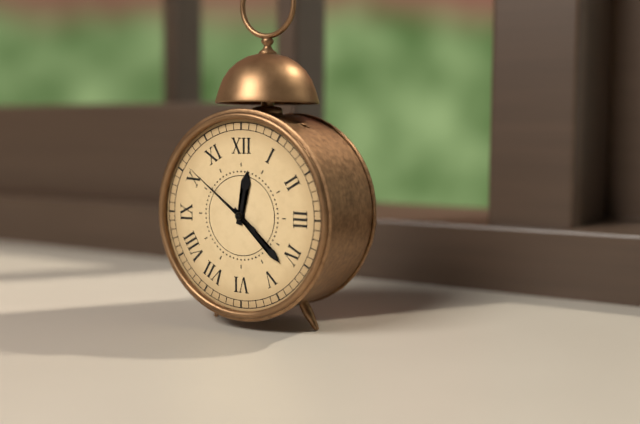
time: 12:22:51
